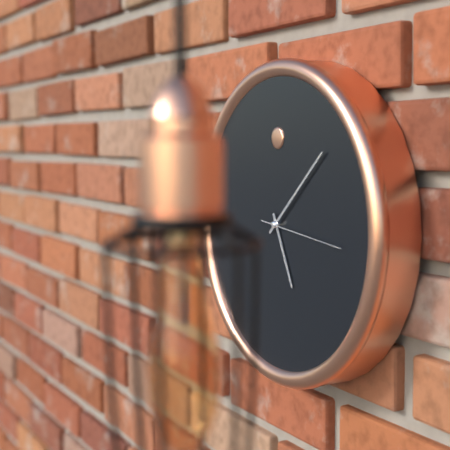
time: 5:08:16
